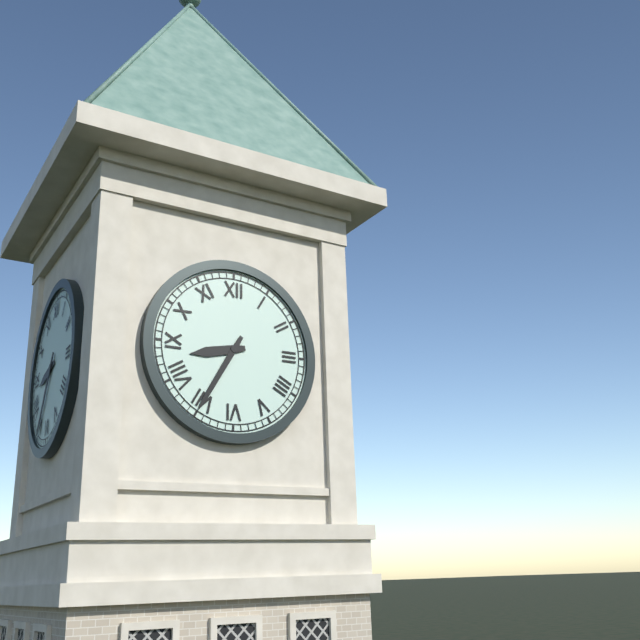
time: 8:35
